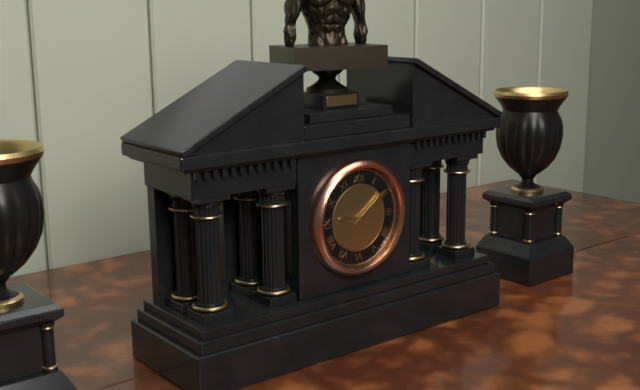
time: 9:09
